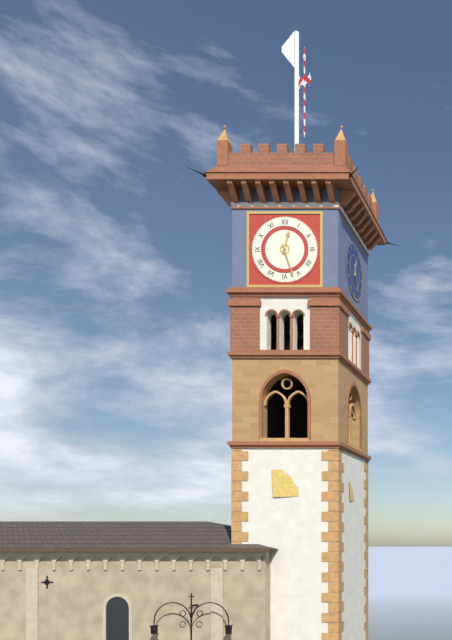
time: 12:27
